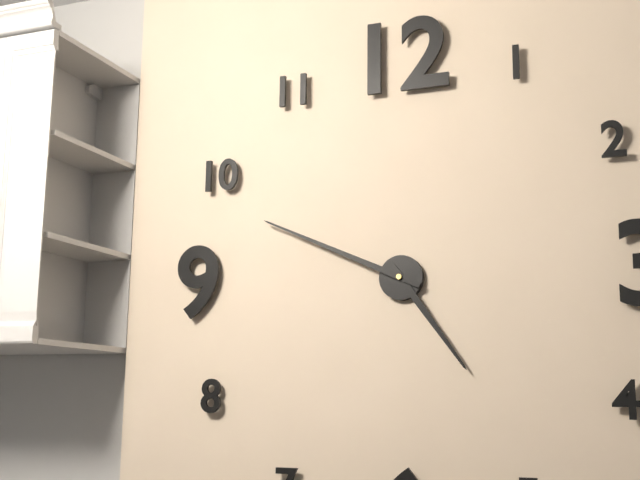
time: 4:49
